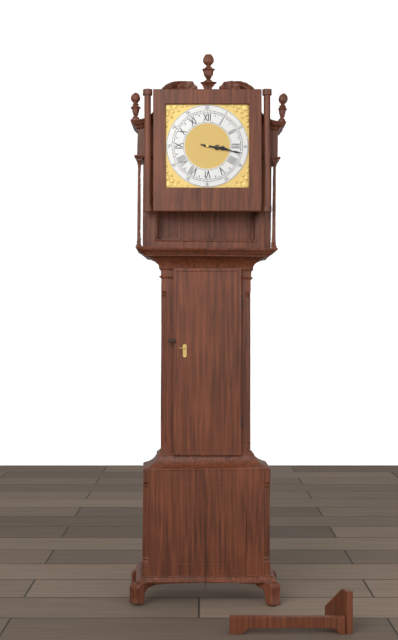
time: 3:17
